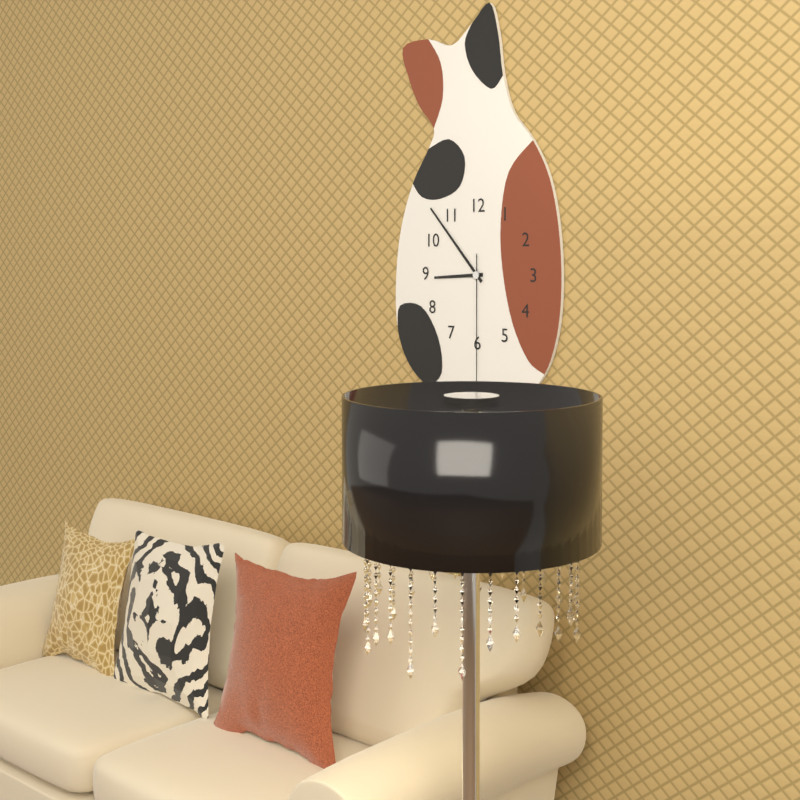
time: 8:53:30
